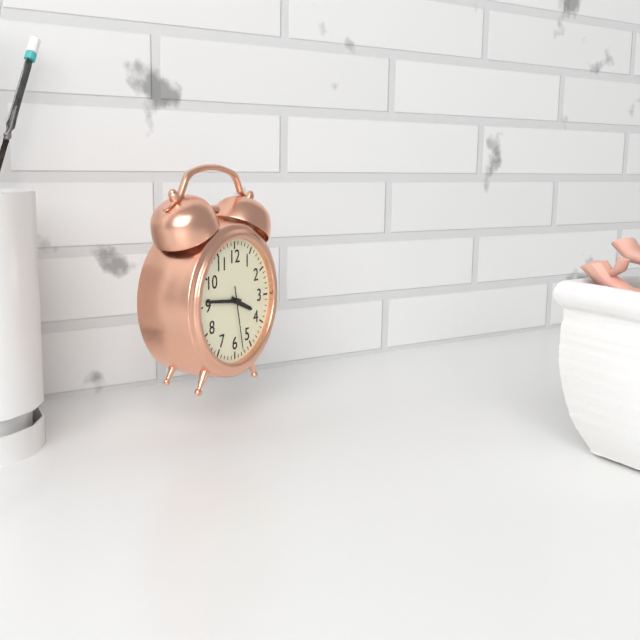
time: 3:46:28
